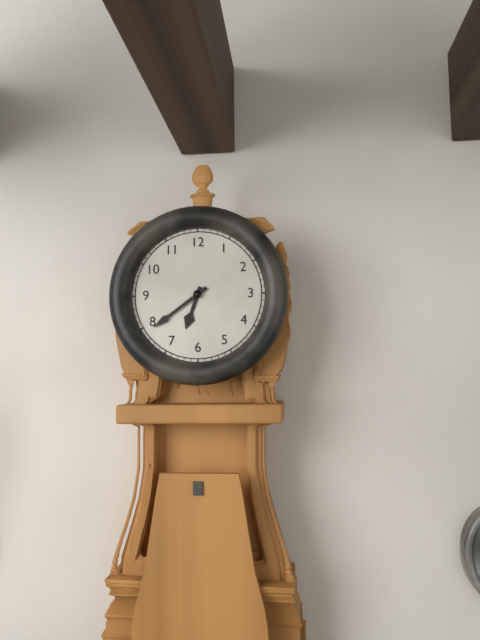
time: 6:39
